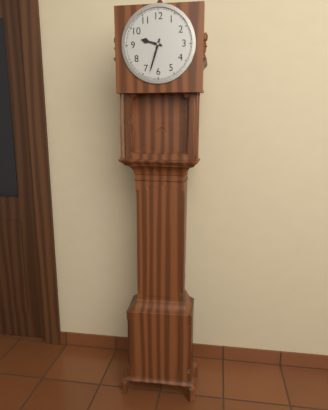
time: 9:33
